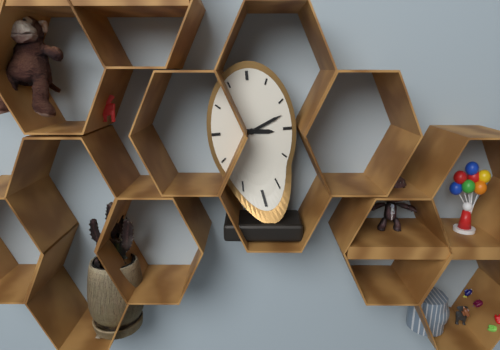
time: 3:11
